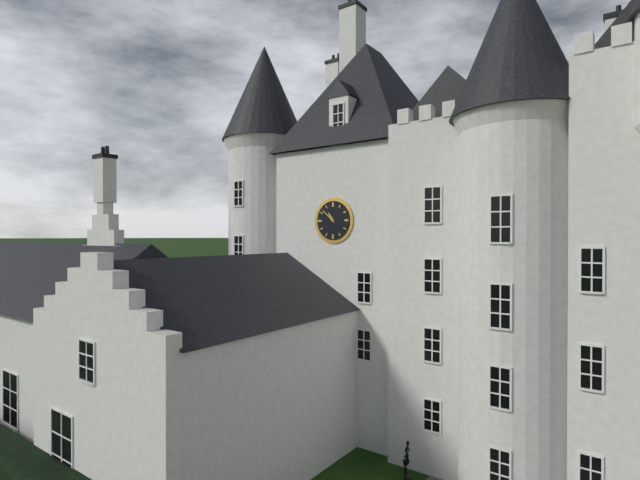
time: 10:52
